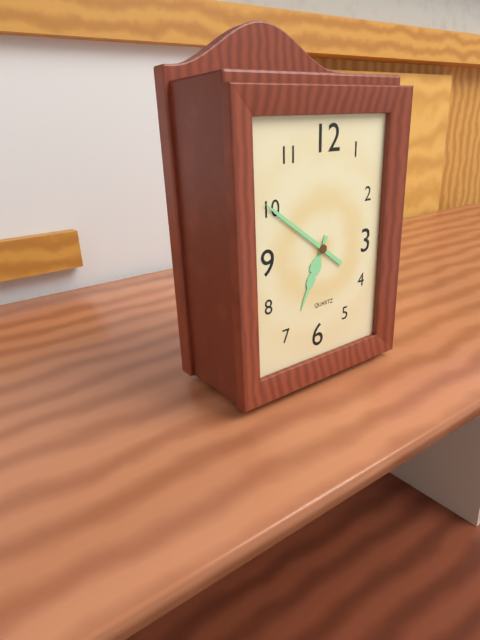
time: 6:51
